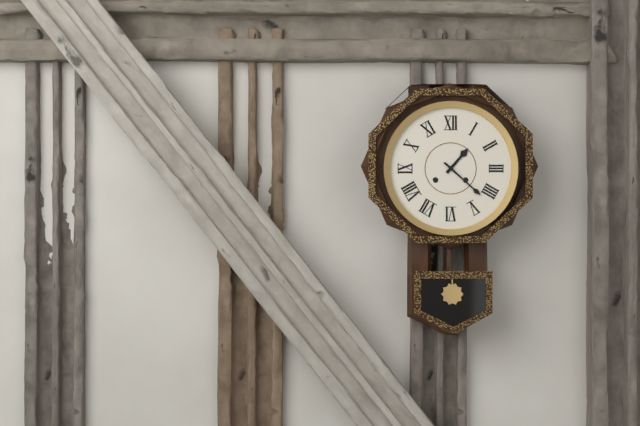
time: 1:22
